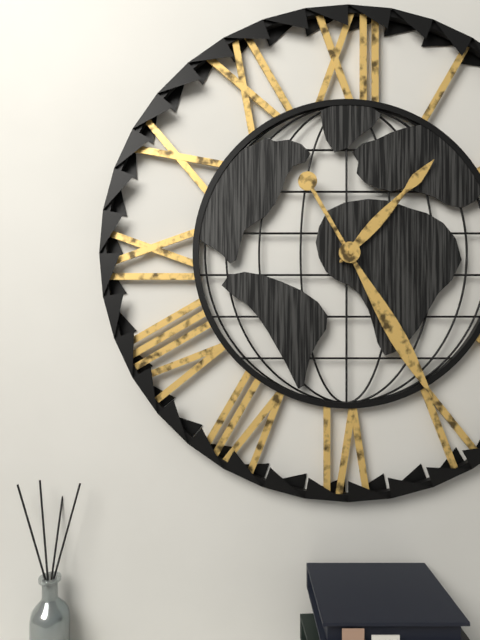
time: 1:25
